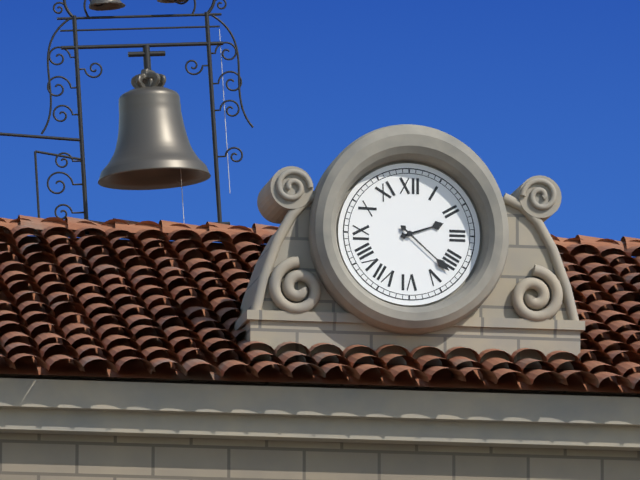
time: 2:22
